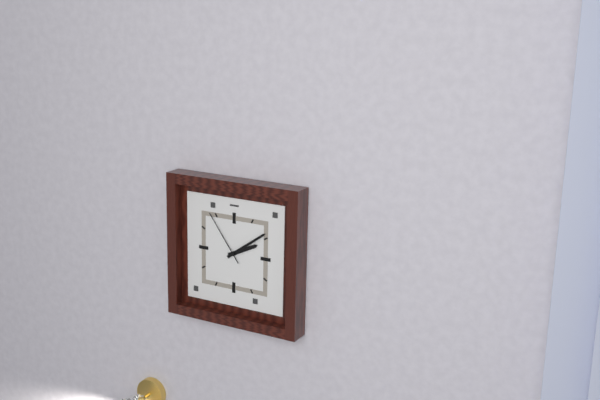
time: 2:09:54
